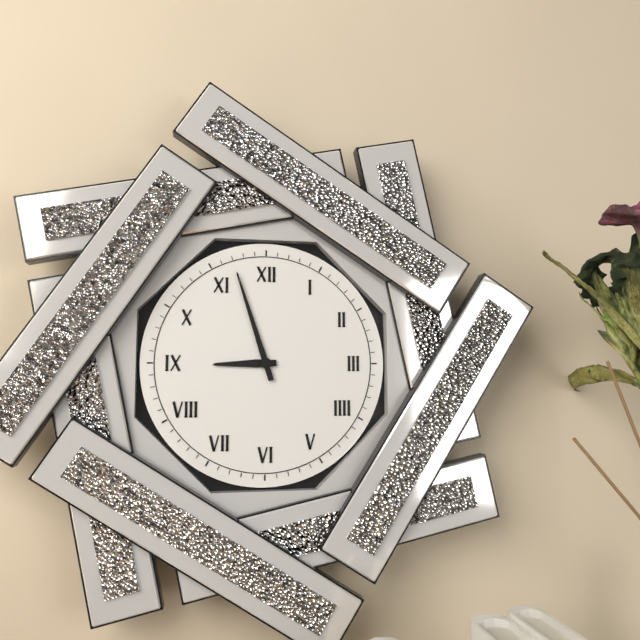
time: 8:57
